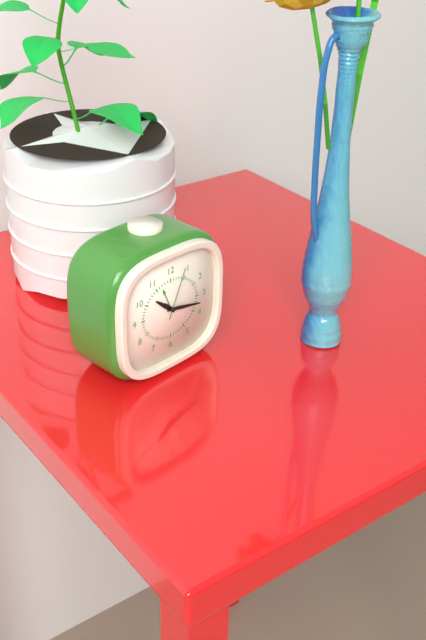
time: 10:17:04
